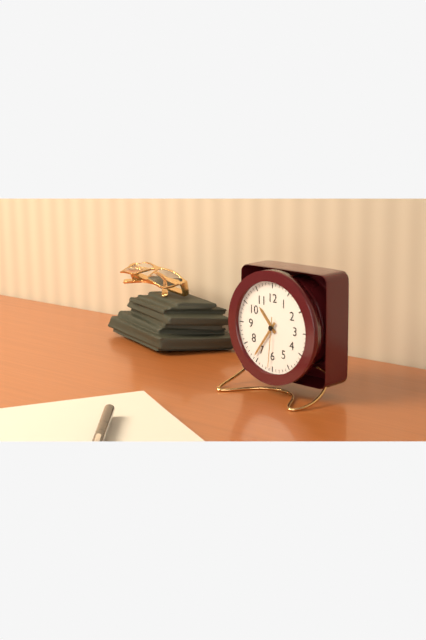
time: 10:36
